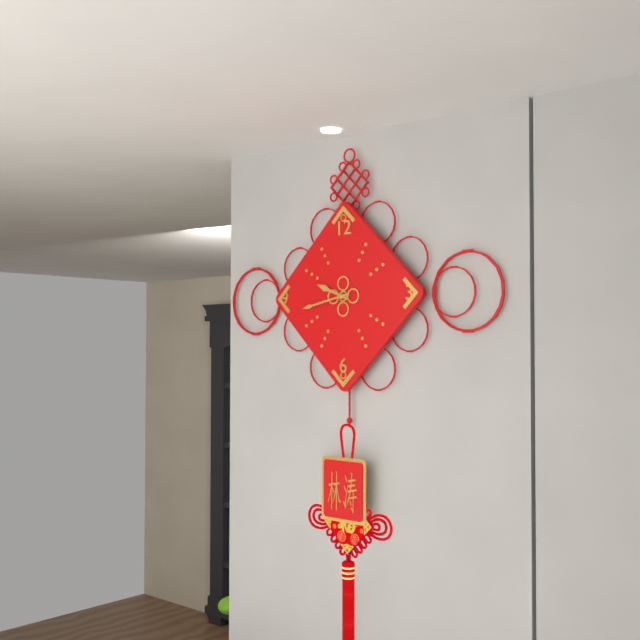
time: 9:43
